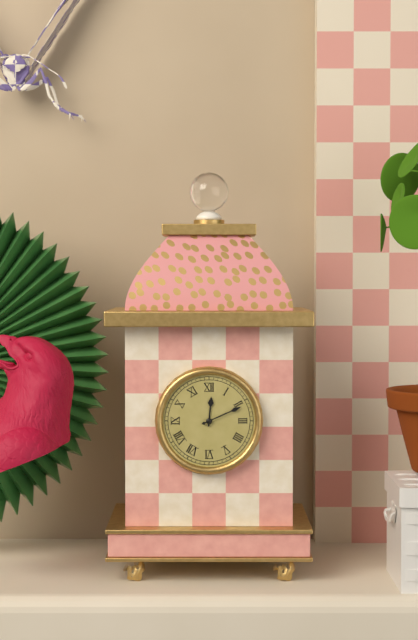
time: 12:11
